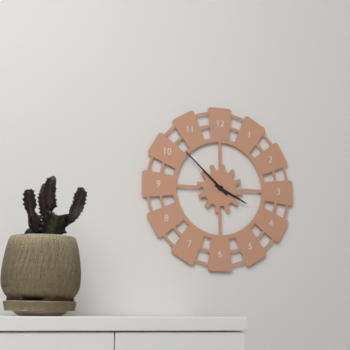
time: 3:52
